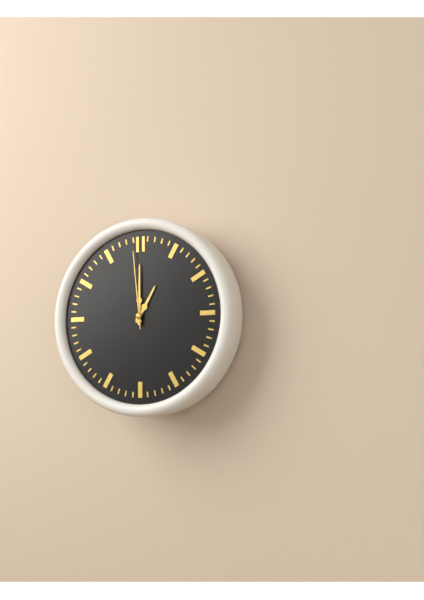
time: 1:00:59
